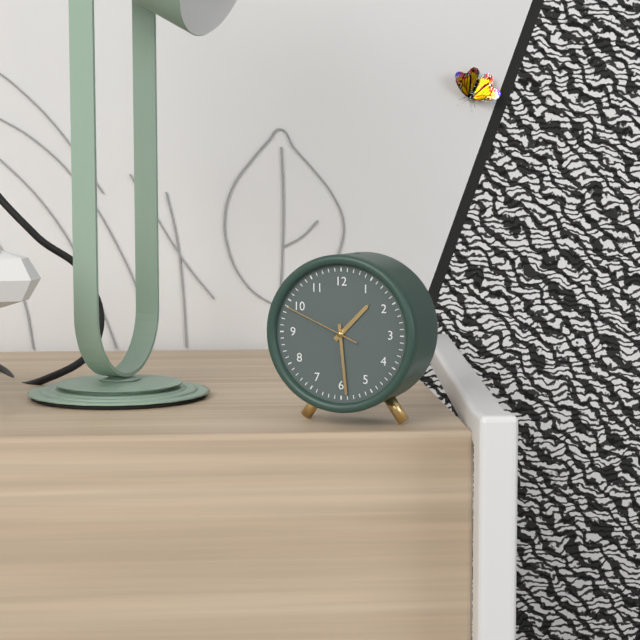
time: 1:29:49
